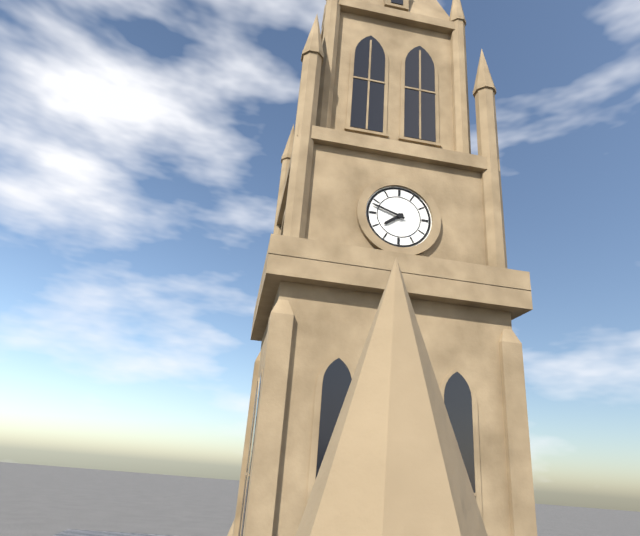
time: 7:48
